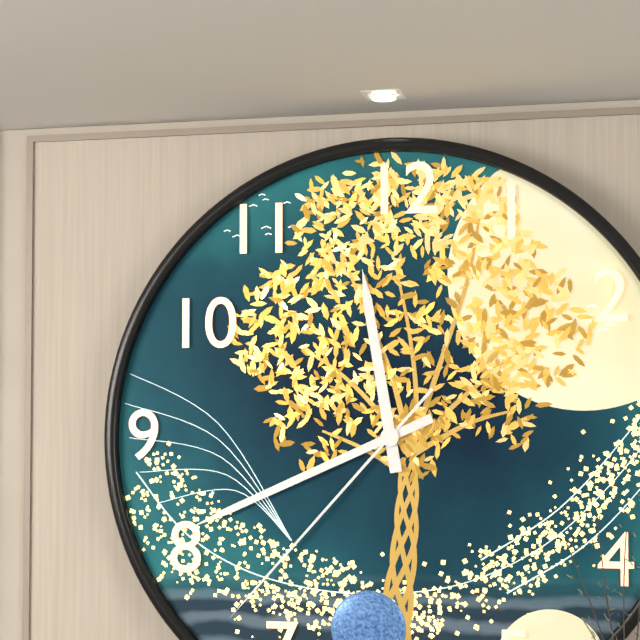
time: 11:41:37
